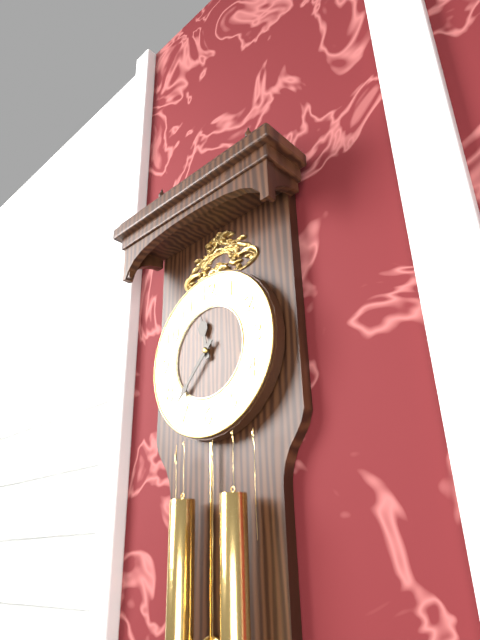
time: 11:37
